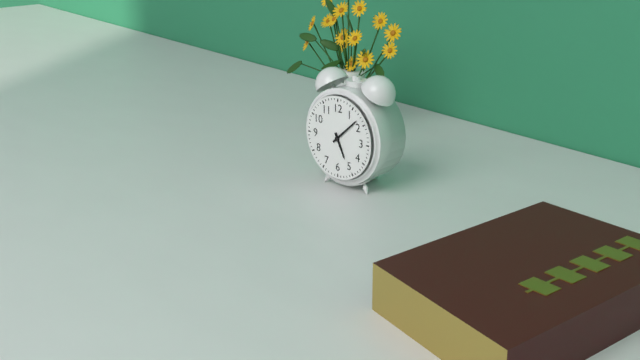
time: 5:08
